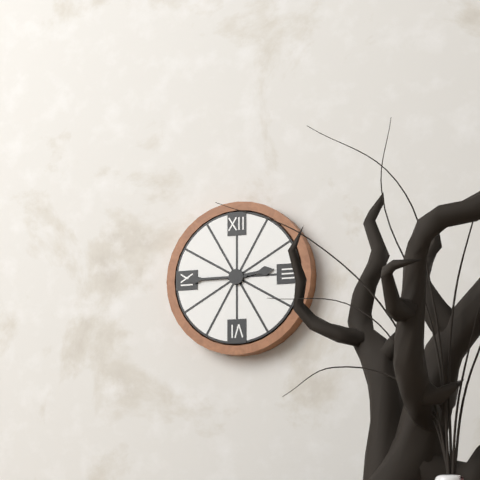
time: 2:45
